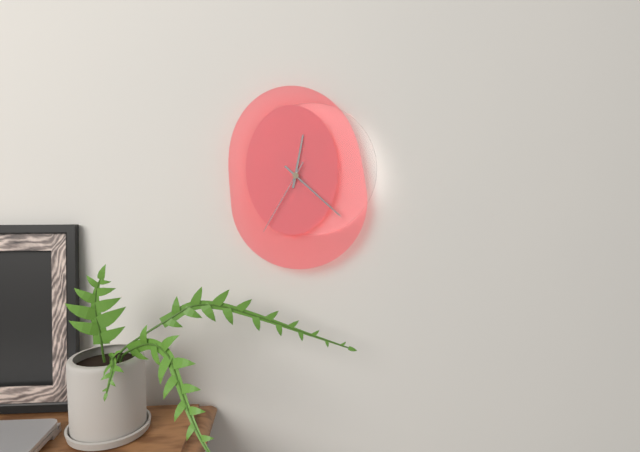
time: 12:22:35
